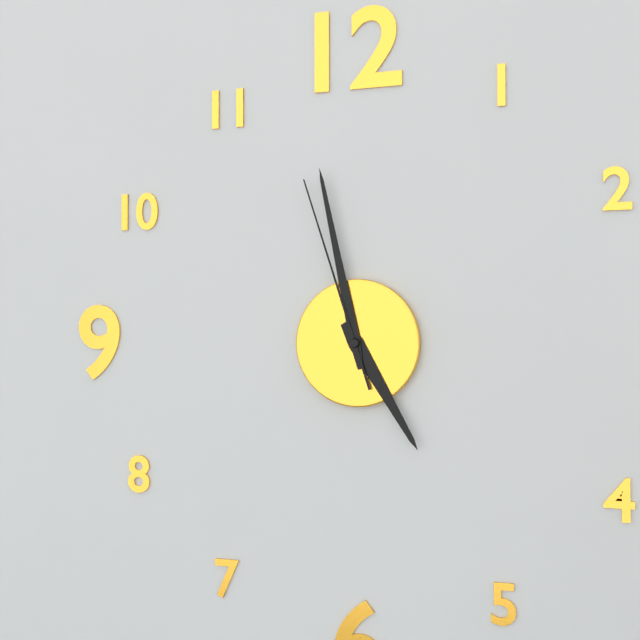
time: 4:58:57
